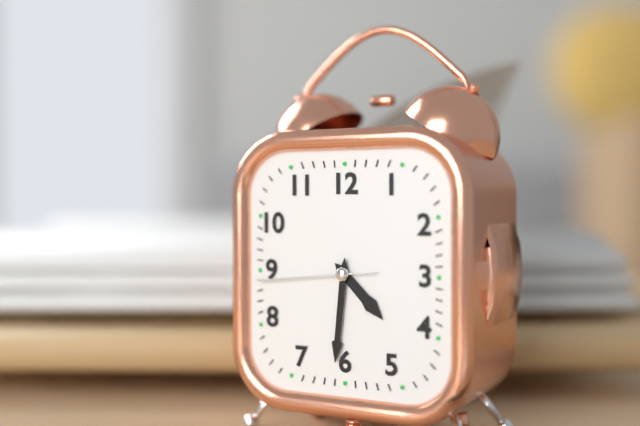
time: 4:31:44
